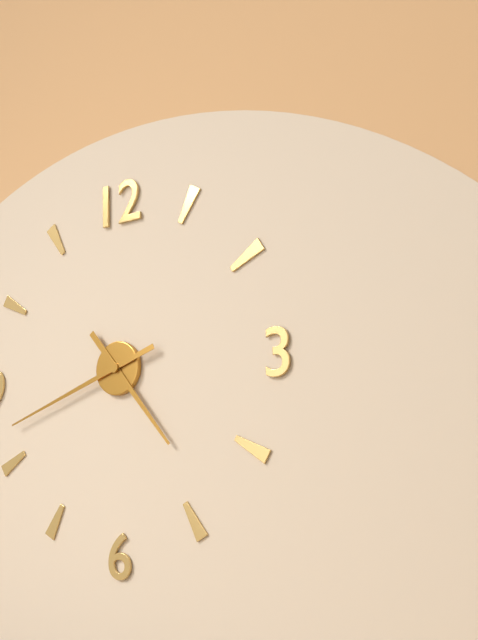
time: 4:42
